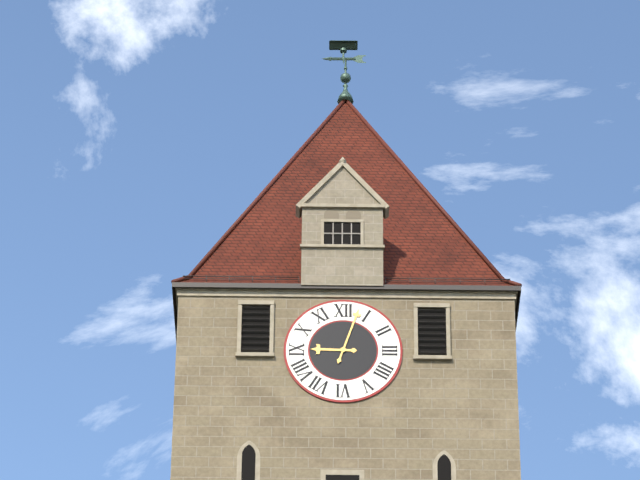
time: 9:03
